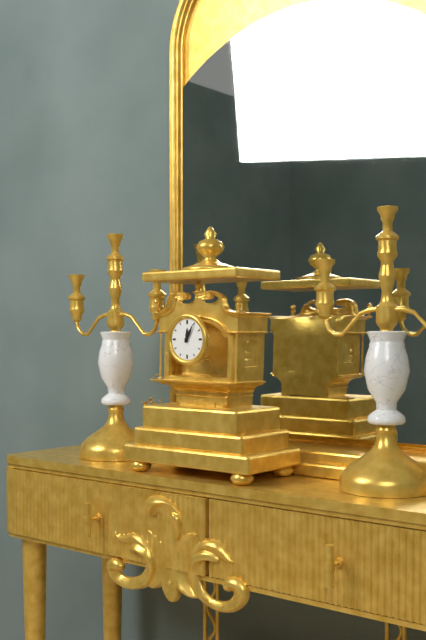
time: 12:05
